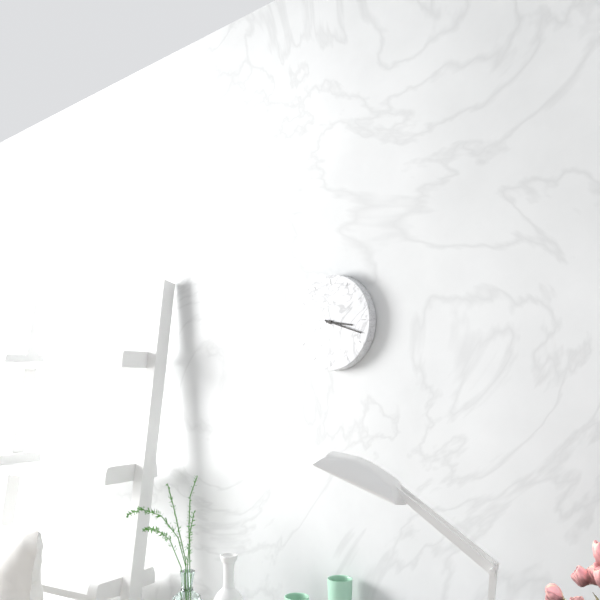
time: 3:18
